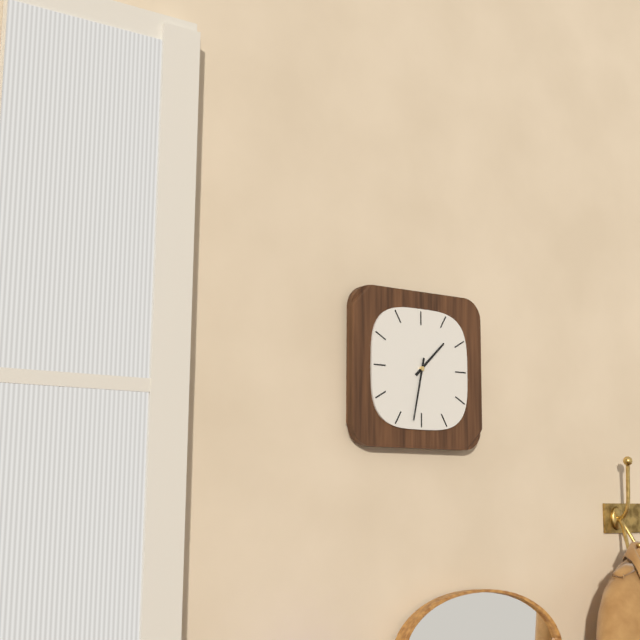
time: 1:32
